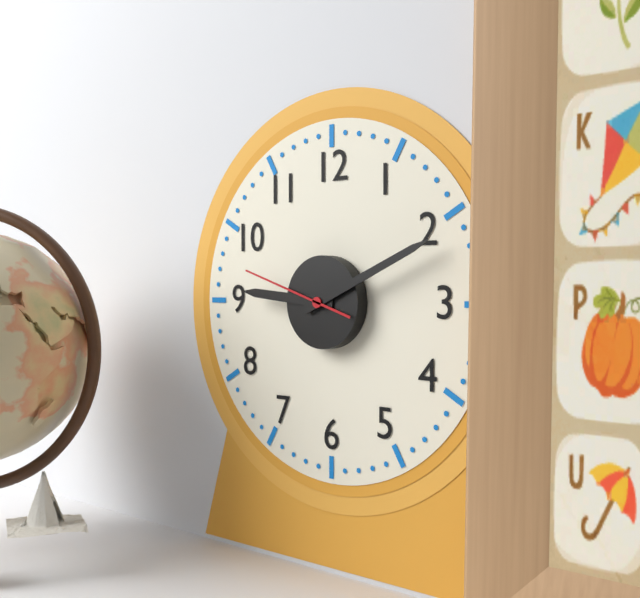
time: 9:11:48
